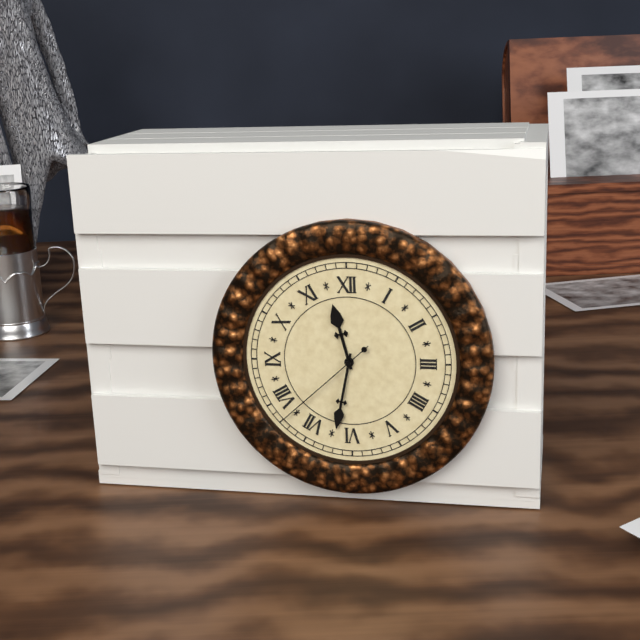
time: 11:32:38
